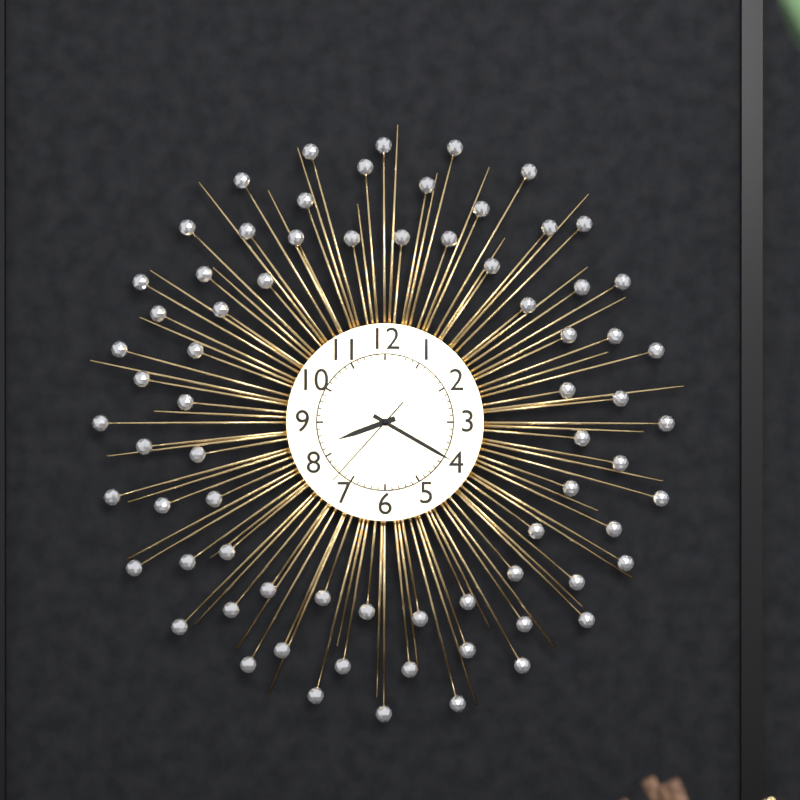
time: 8:20:37
